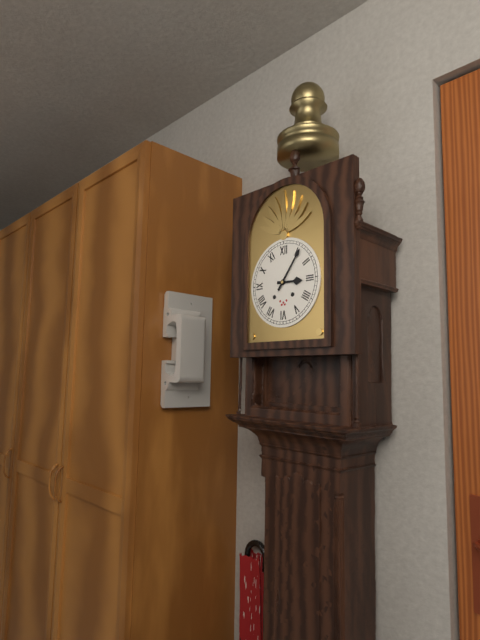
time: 3:06
